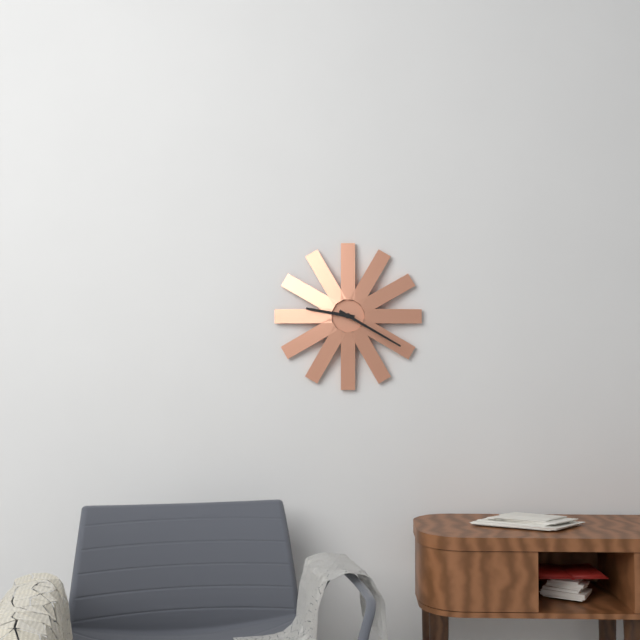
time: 9:20
